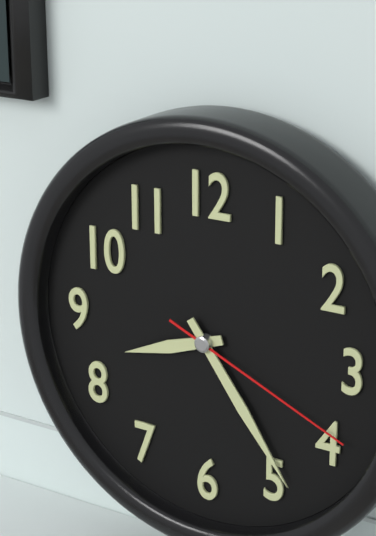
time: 8:24:19
